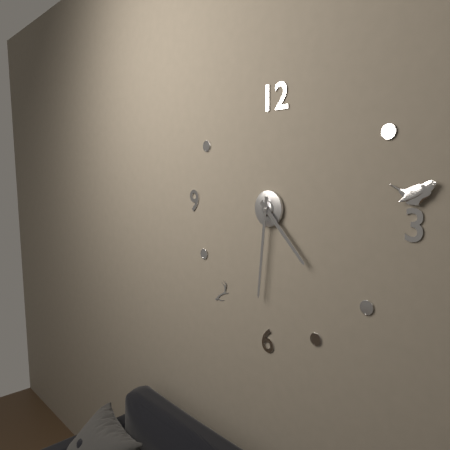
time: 4:31
